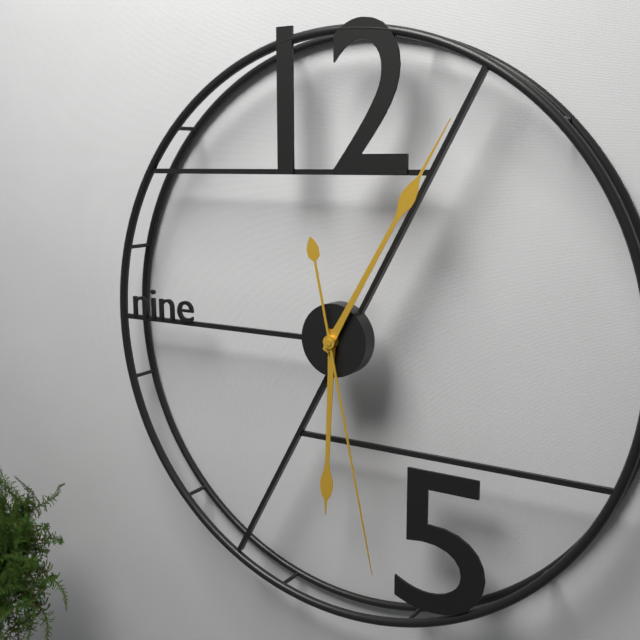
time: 6:05:28
